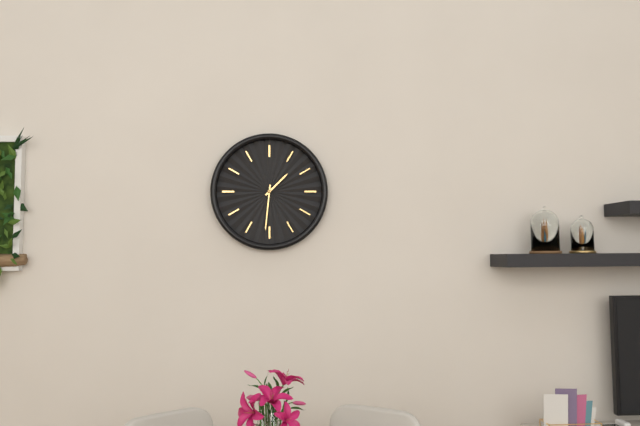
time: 1:31
